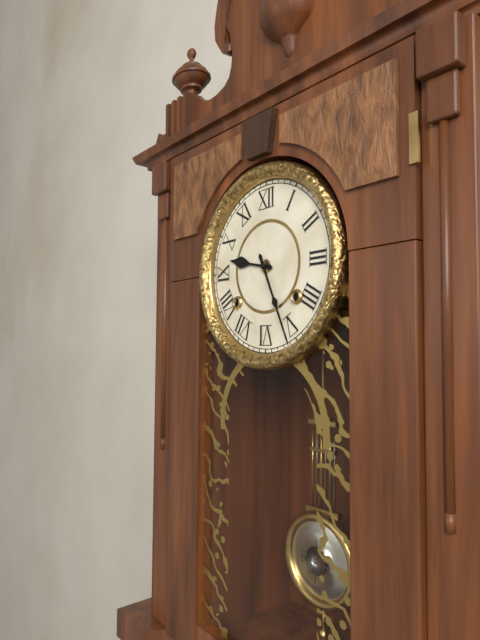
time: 9:26
